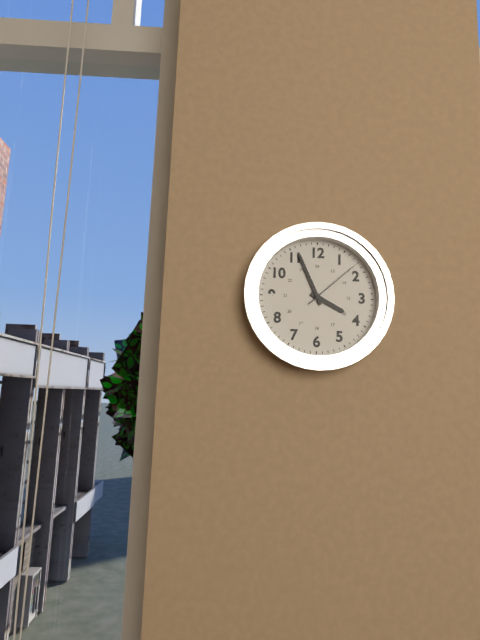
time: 3:56:08
